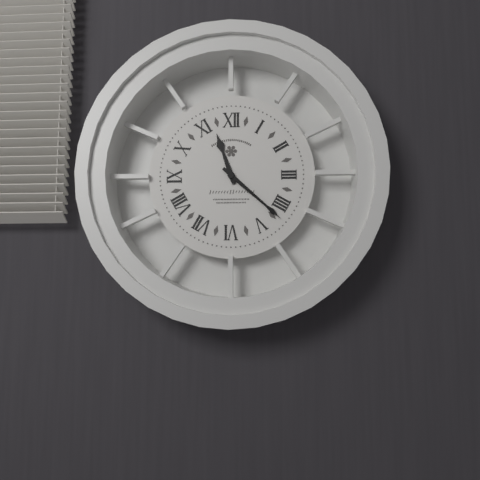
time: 11:22
